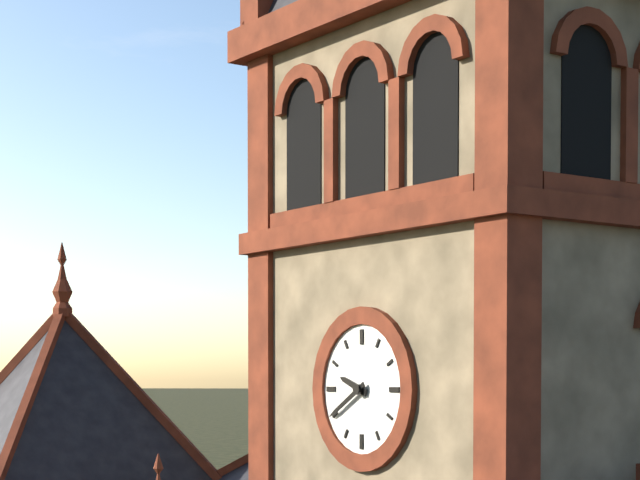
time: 9:40
